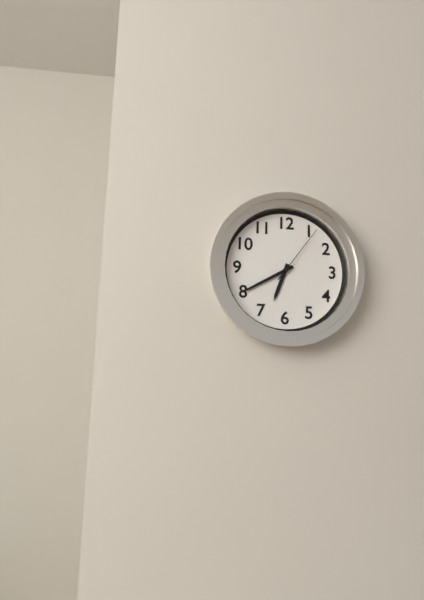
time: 6:40:06
